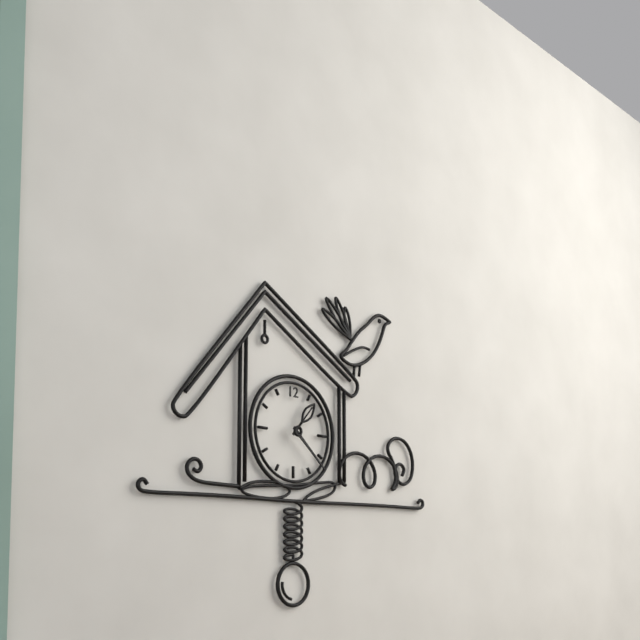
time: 1:22
